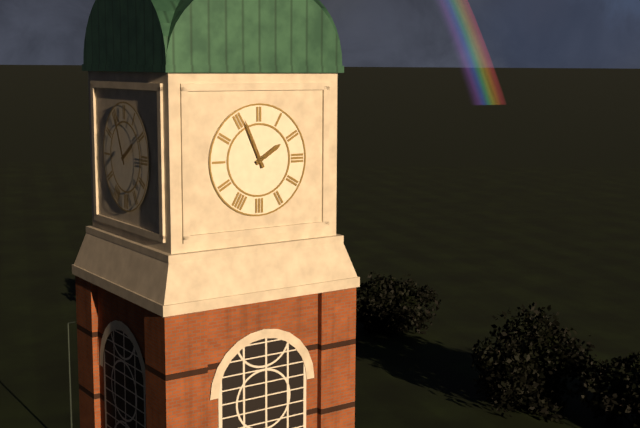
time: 1:56
